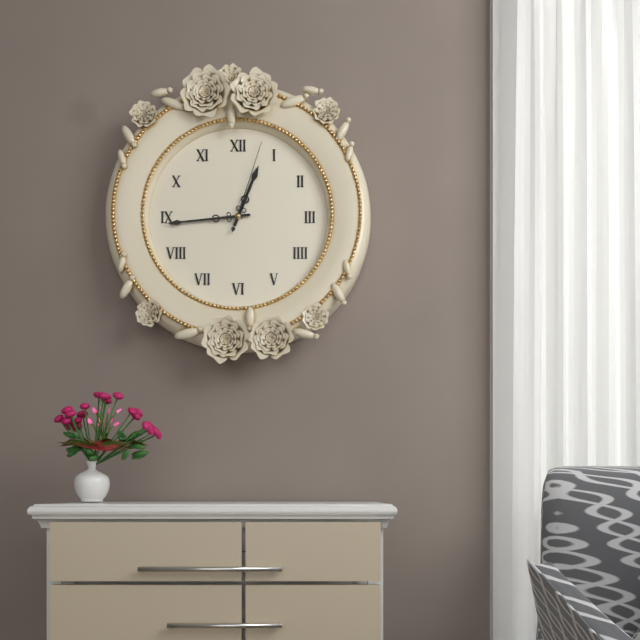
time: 12:44:03
